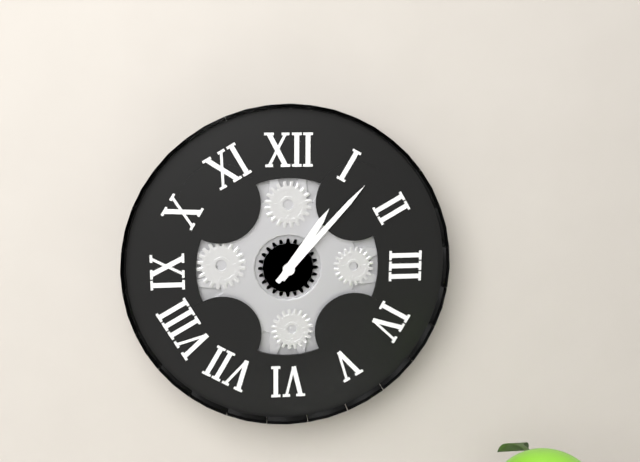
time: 1:07
